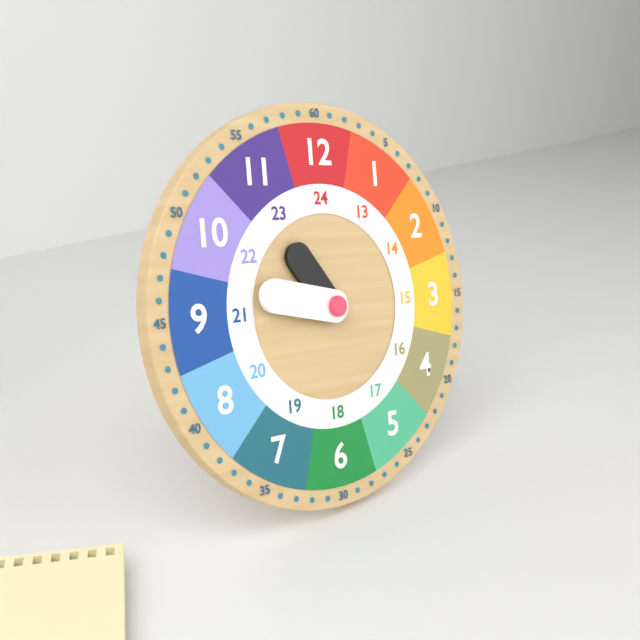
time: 10:47
